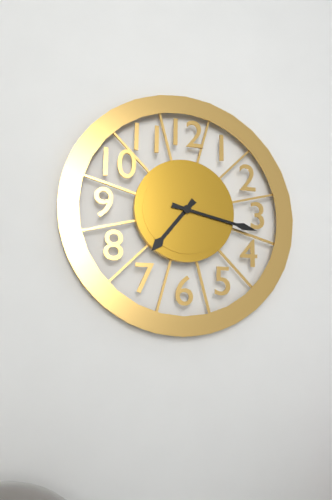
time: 7:17
